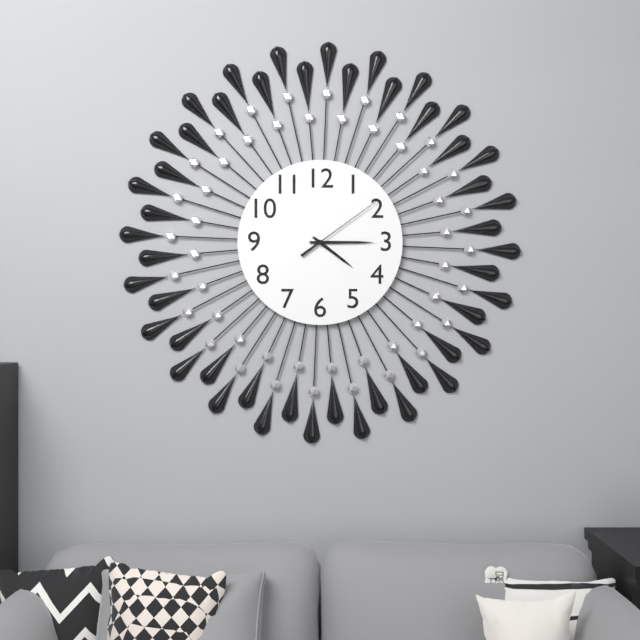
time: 4:15:09
